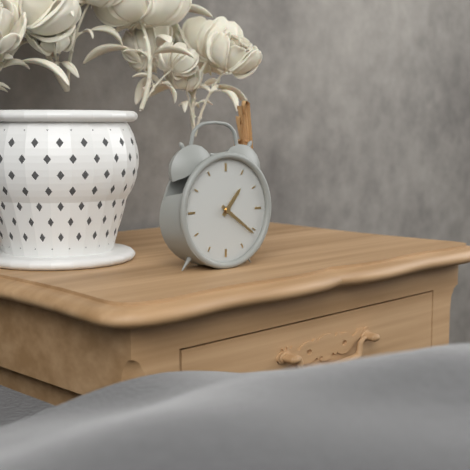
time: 1:21
